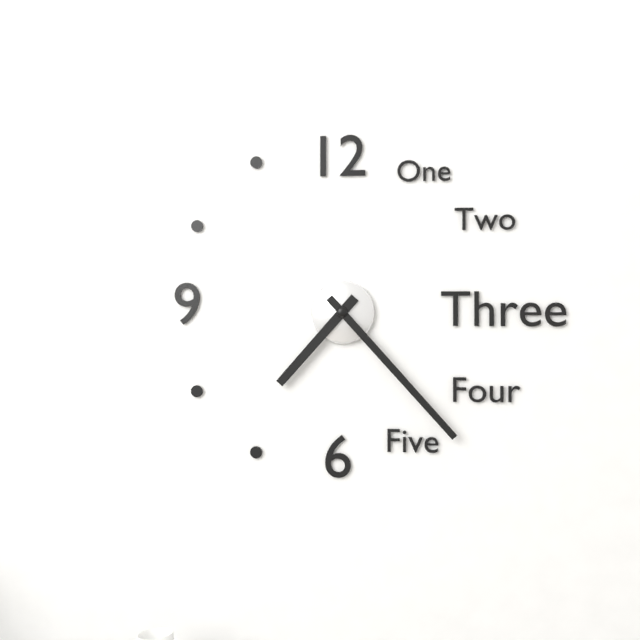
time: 7:23
